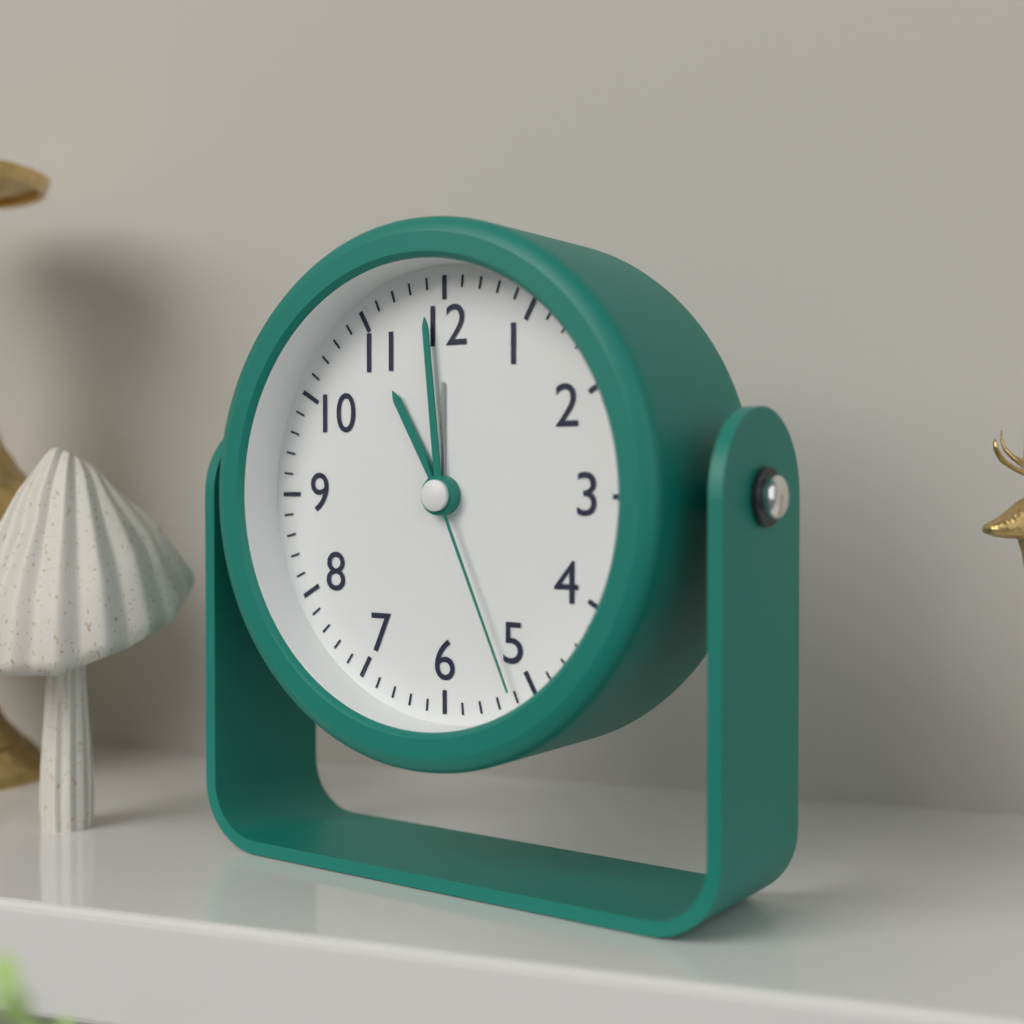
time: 10:59:26
